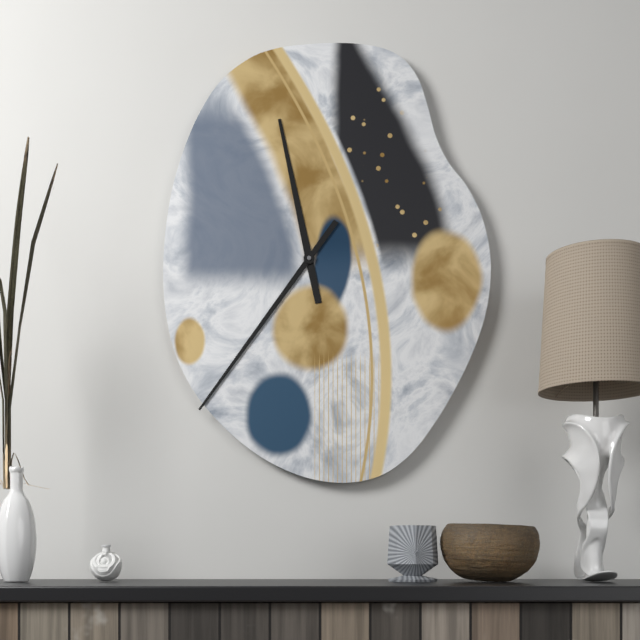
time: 11:36
